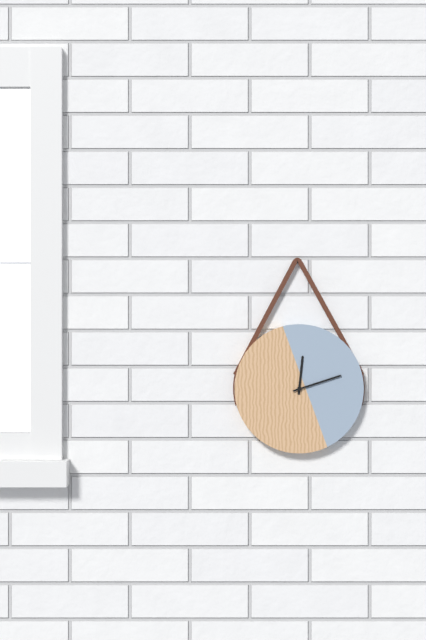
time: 12:12
